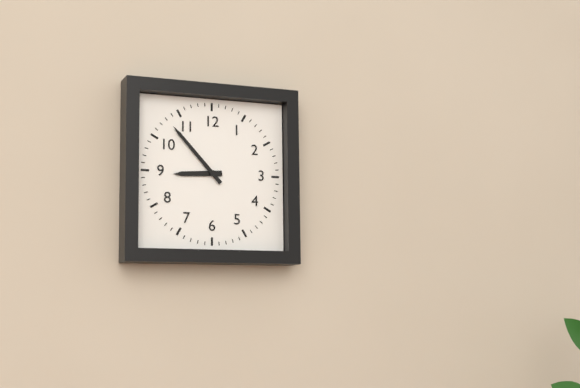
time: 8:53
